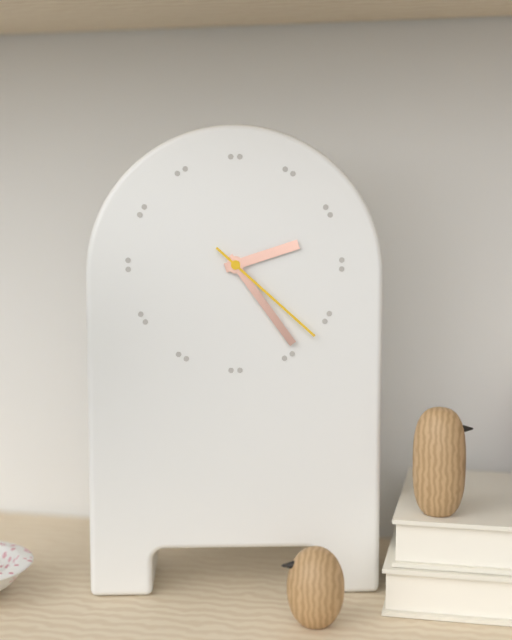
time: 2:24:22
